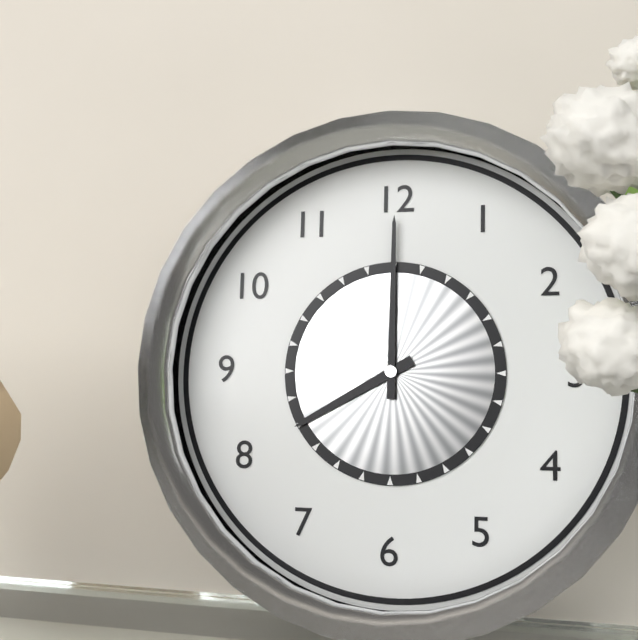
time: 8:00
